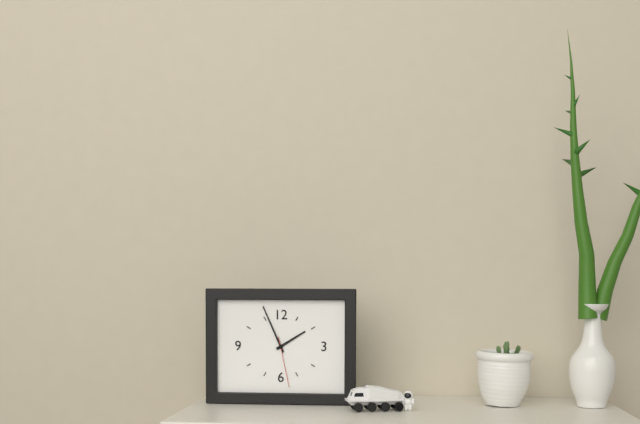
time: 1:56:28
